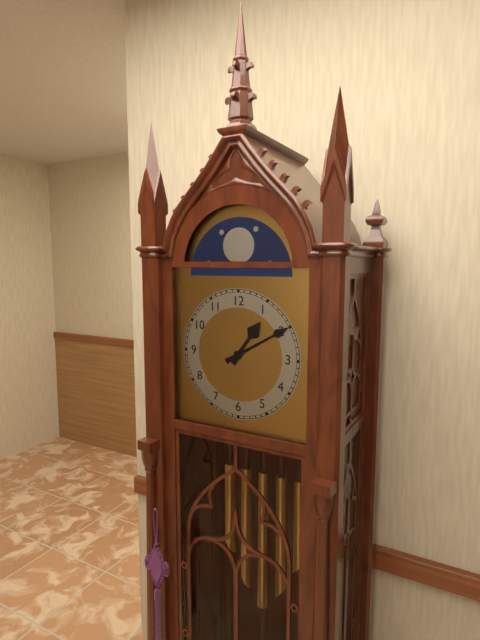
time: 1:10
